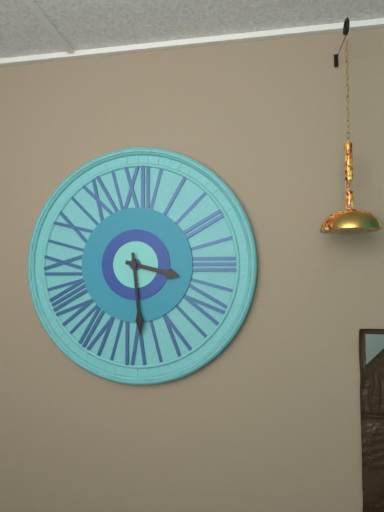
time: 3:29
